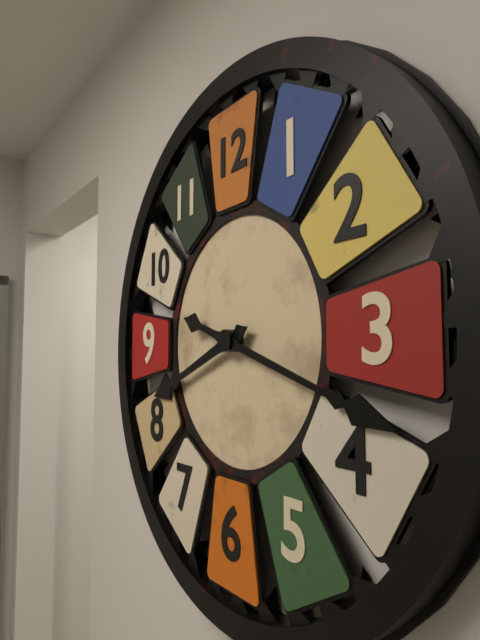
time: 8:18
